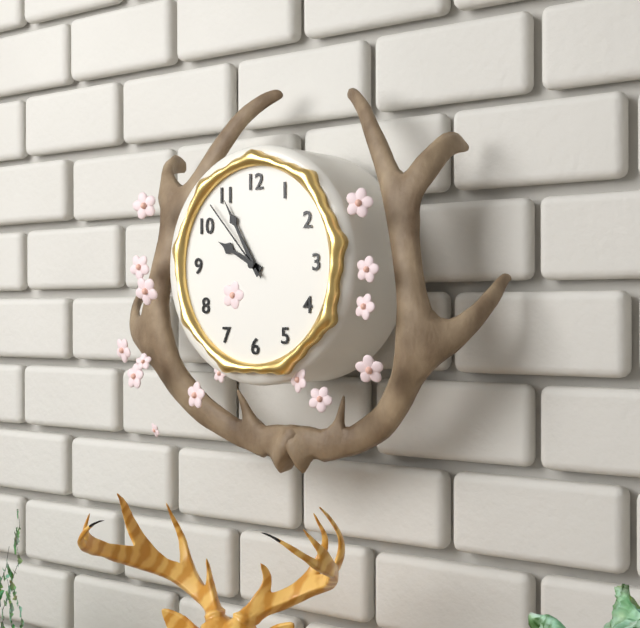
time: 9:55:53
